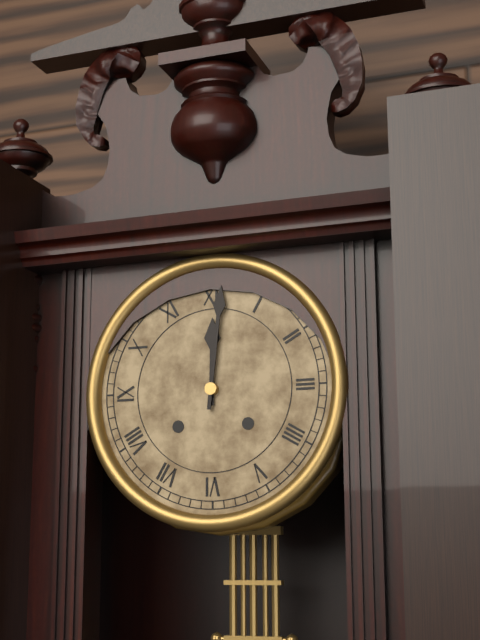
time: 12:01
